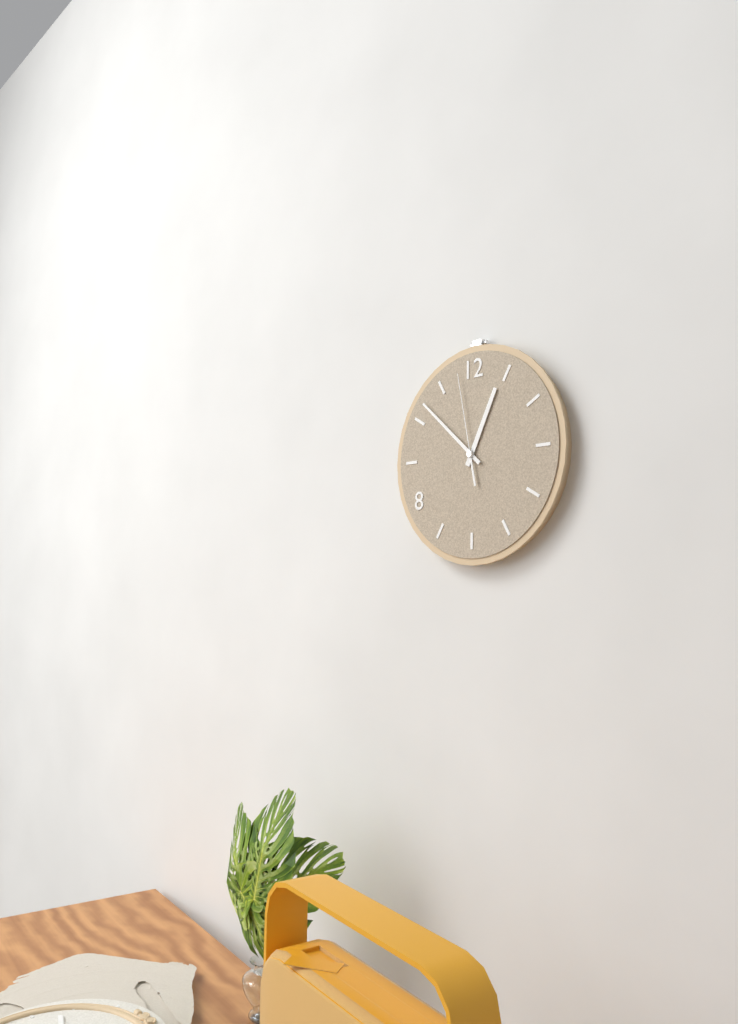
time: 12:52:58
